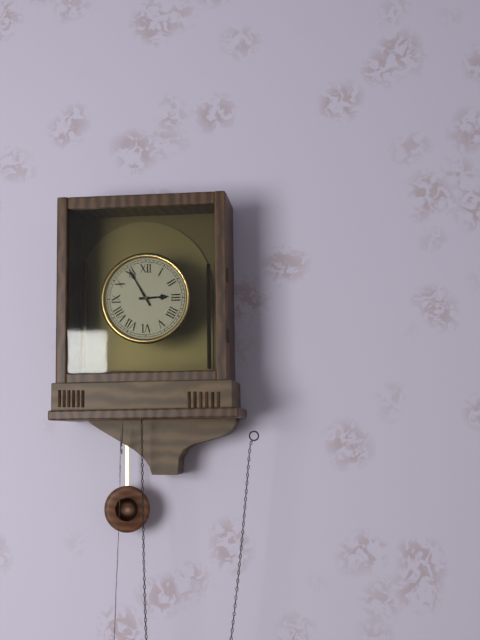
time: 2:55
